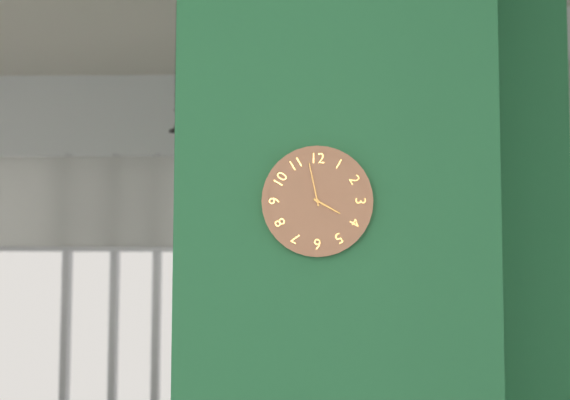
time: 3:58
